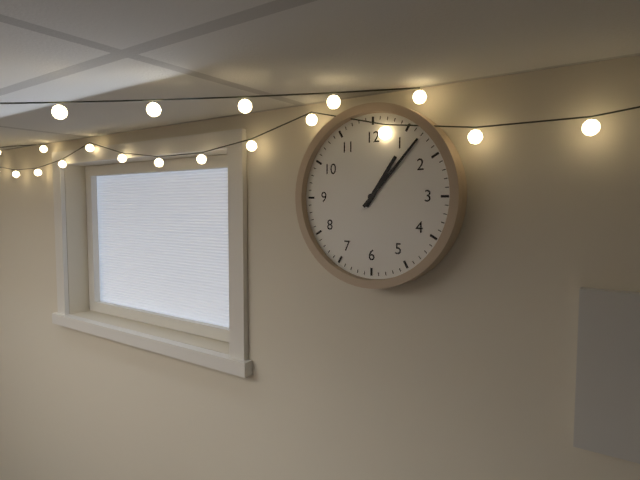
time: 1:07
